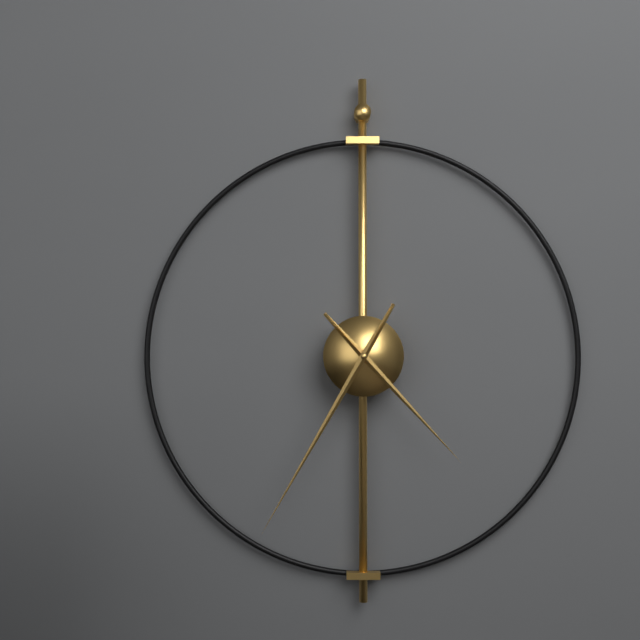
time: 4:35
